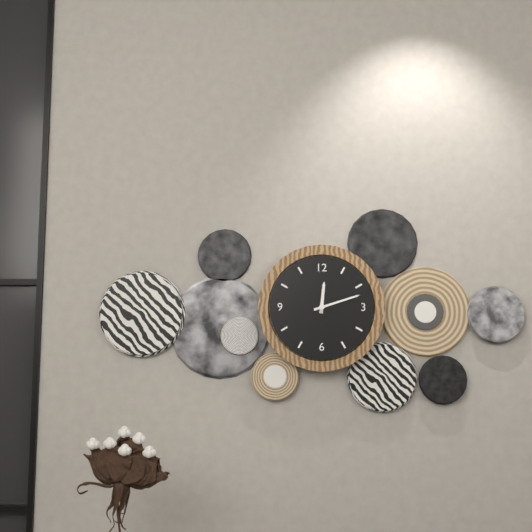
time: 12:12
